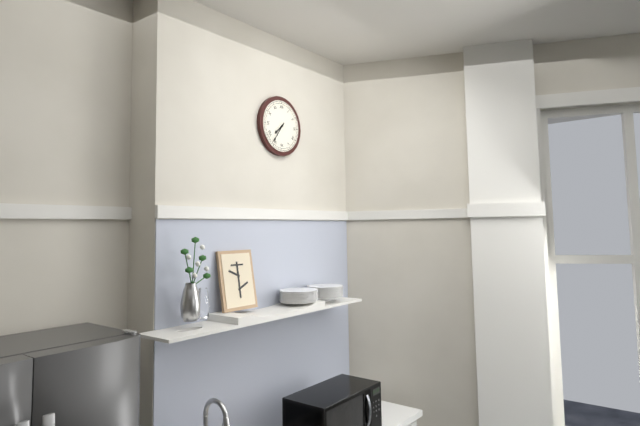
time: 7:36
